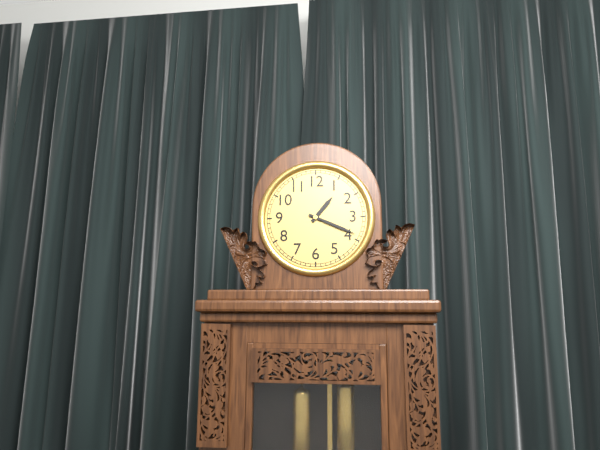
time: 1:19
